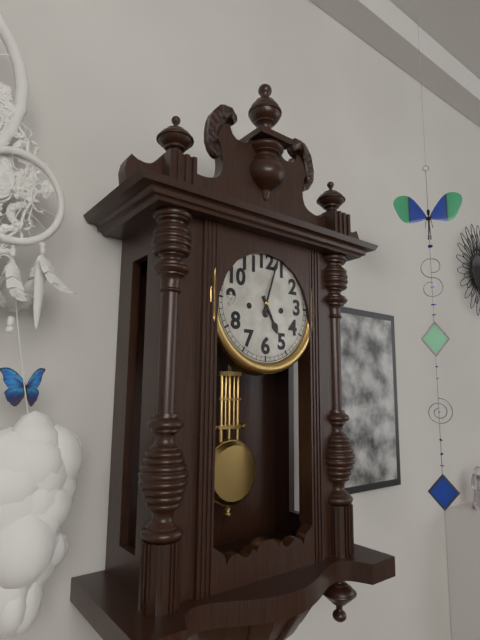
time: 5:03
